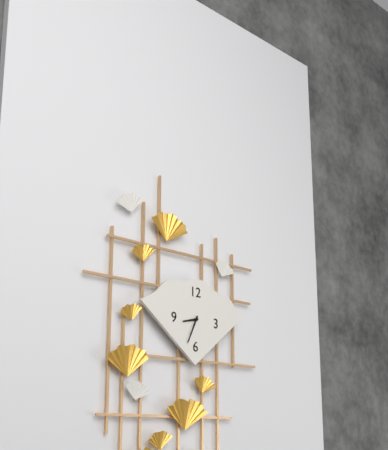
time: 8:34
